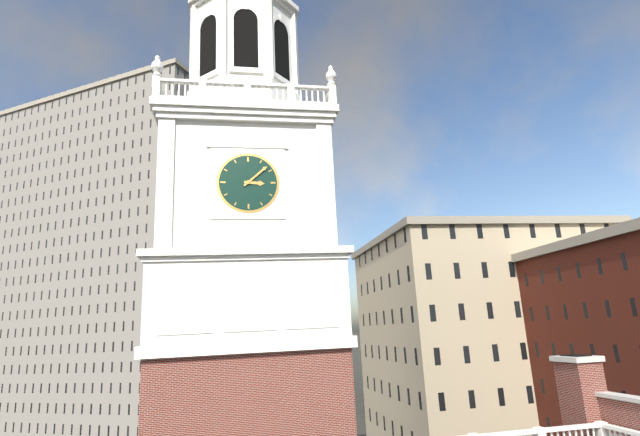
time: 3:08
